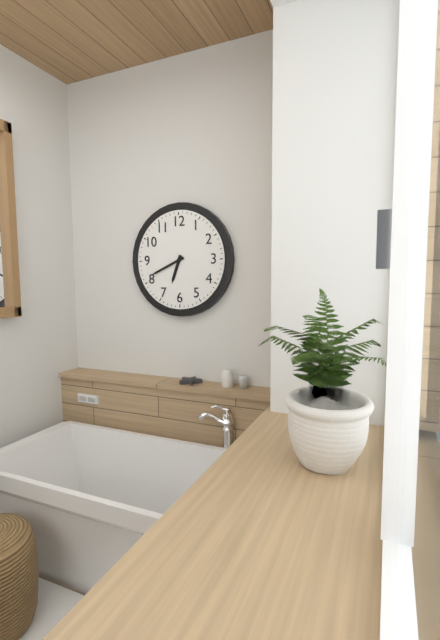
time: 6:41
